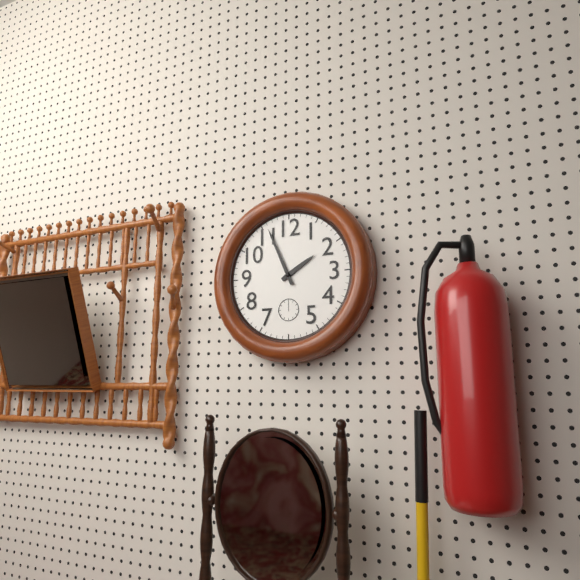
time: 1:56
